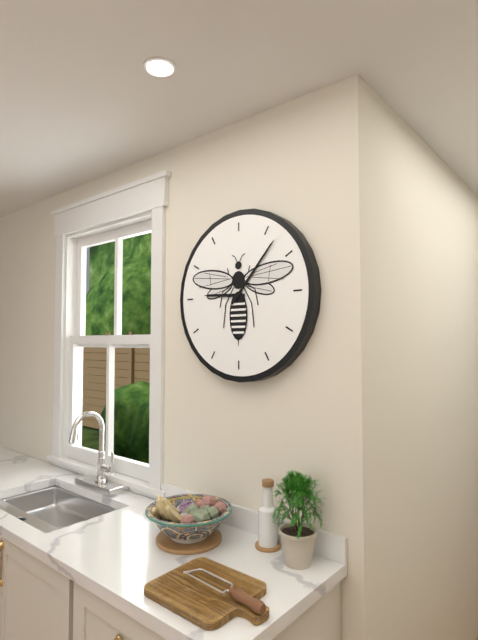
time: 9:07
